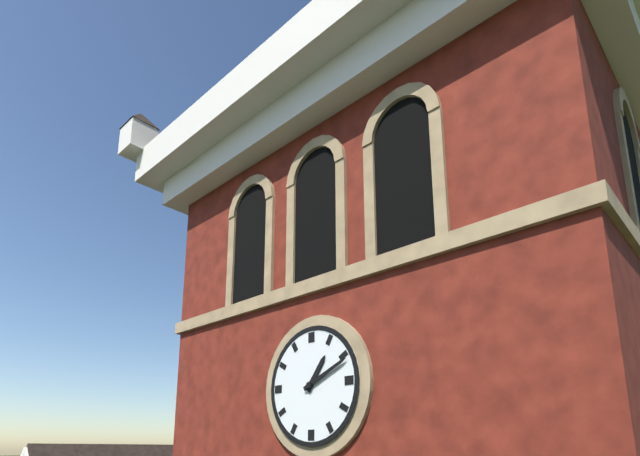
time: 1:11
